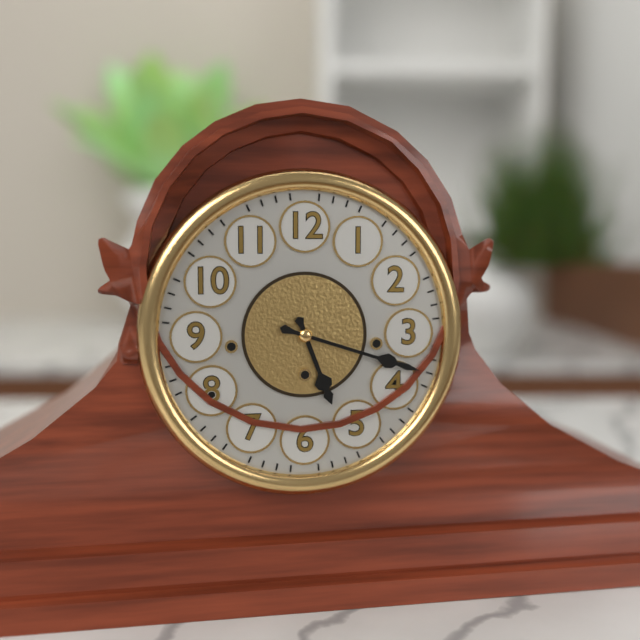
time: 5:18
